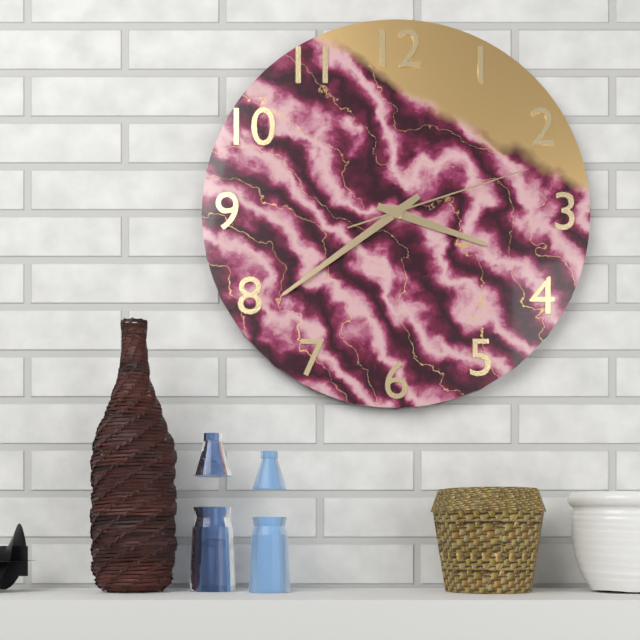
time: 3:39:12
